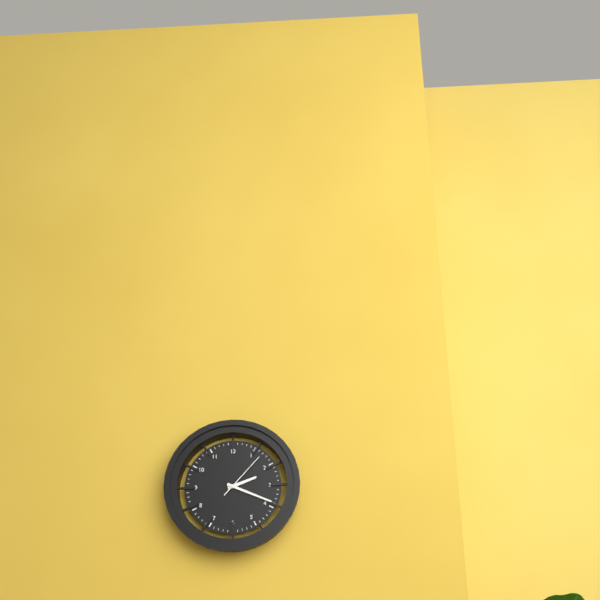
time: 2:19:07
